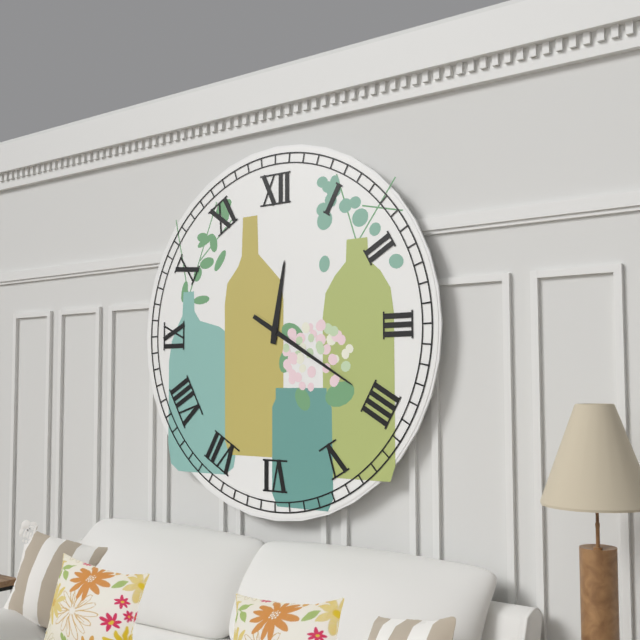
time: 12:20
